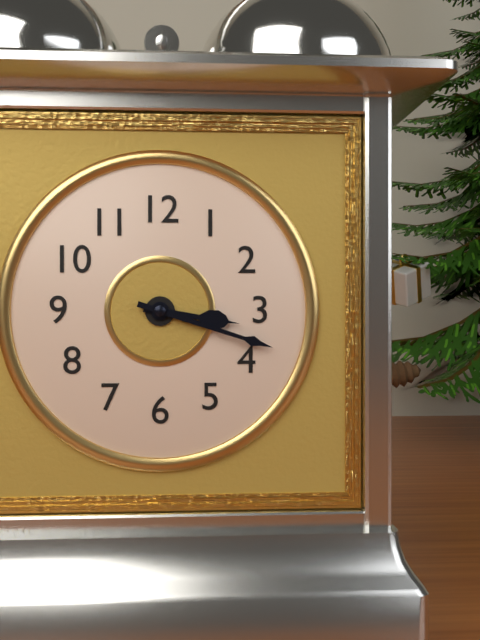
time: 3:18
